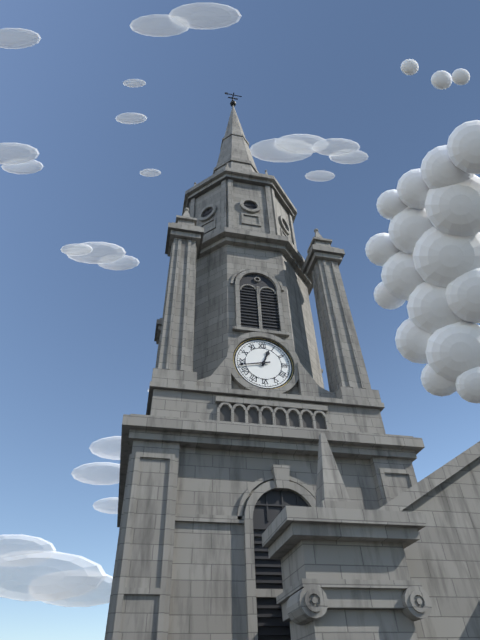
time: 12:43
